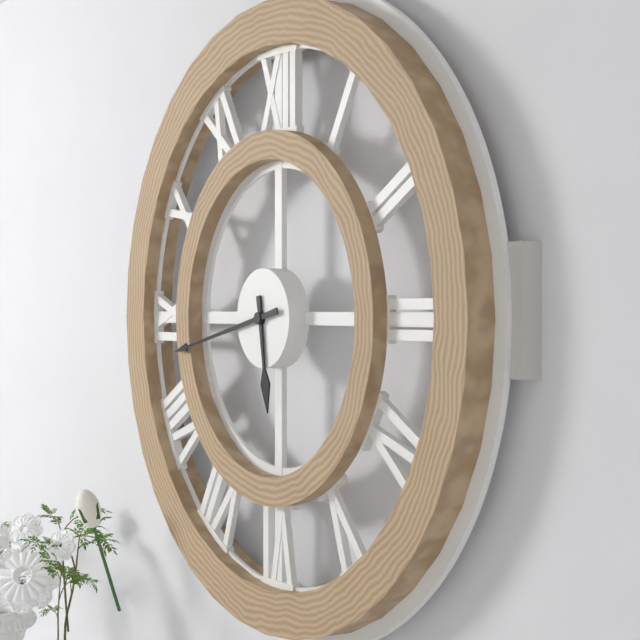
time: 5:43
